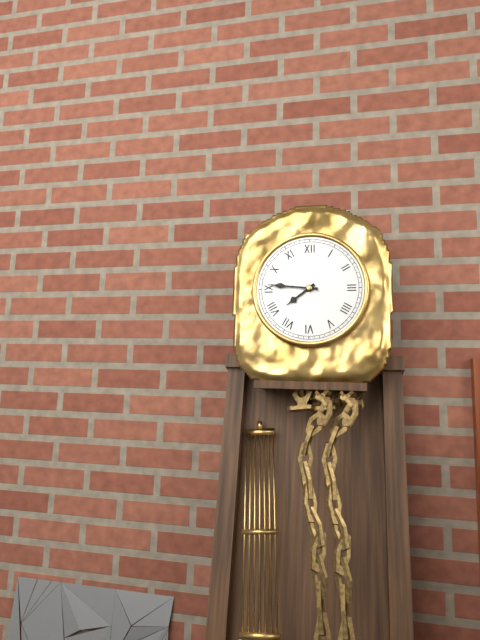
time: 7:46
